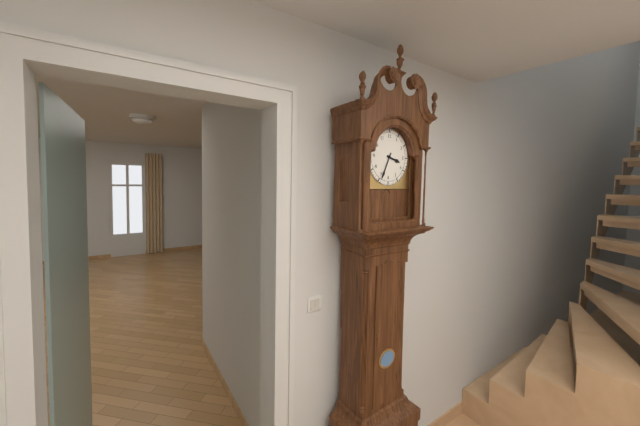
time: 3:34
